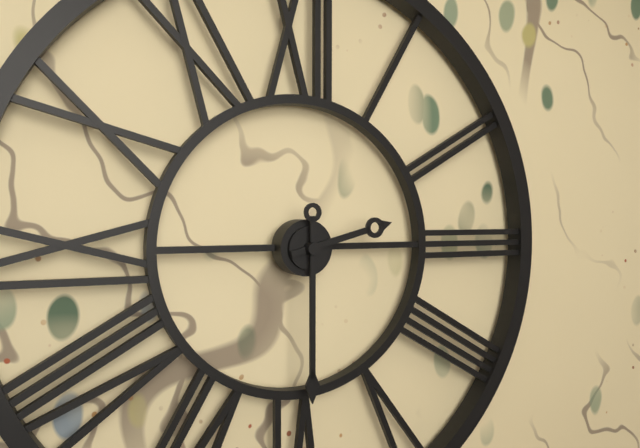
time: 2:30
